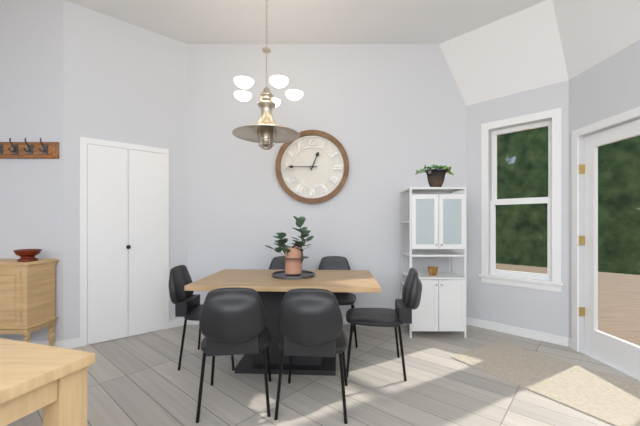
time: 12:45
